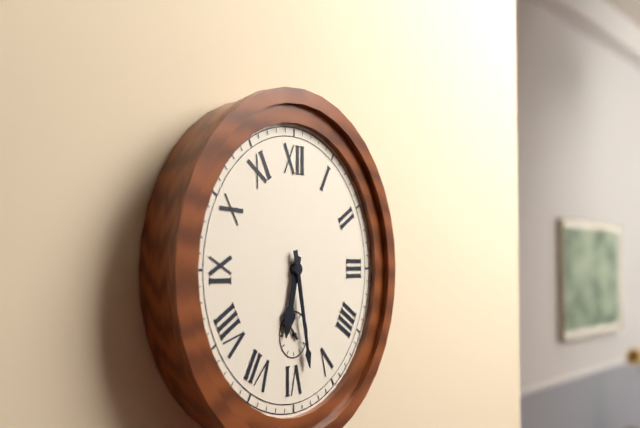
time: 6:28
